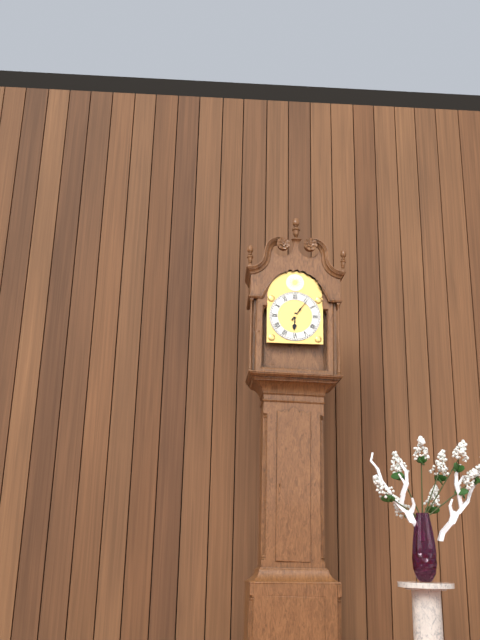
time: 6:06
